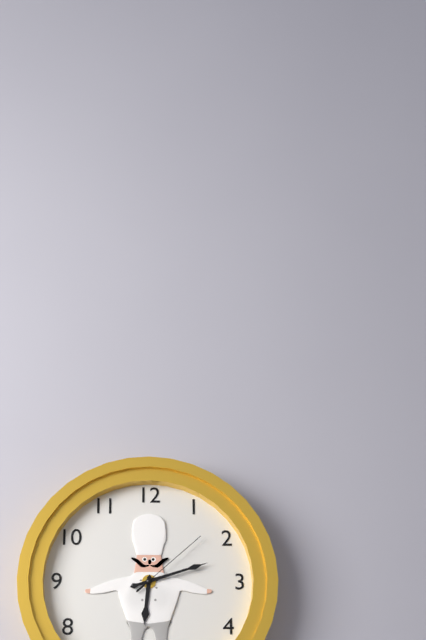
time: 6:12:08
